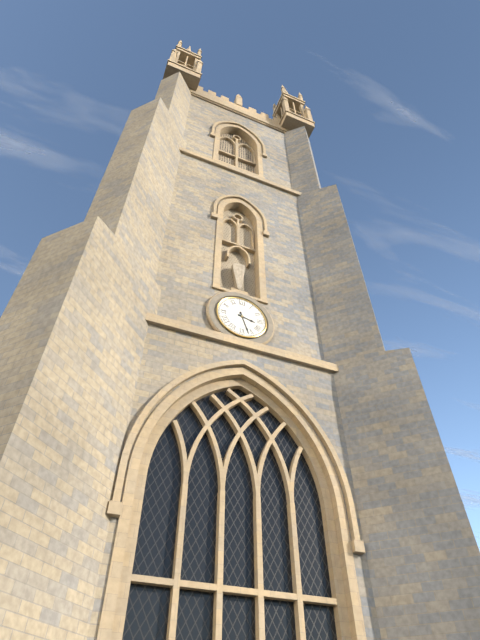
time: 3:27
